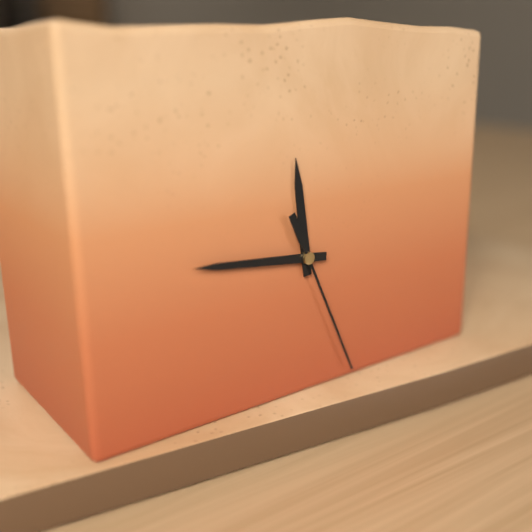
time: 11:46:26
